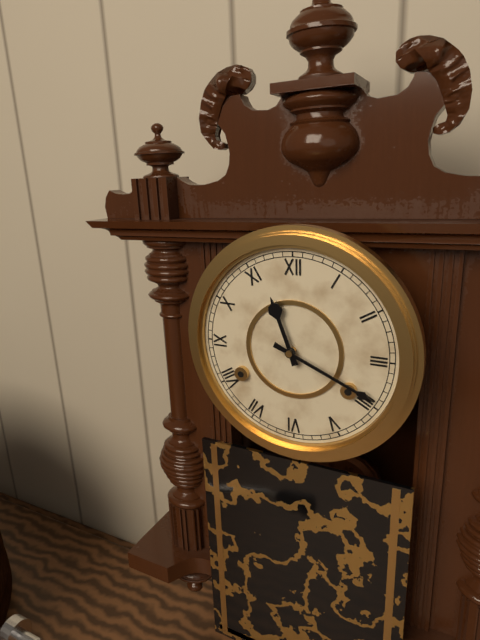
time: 11:19
